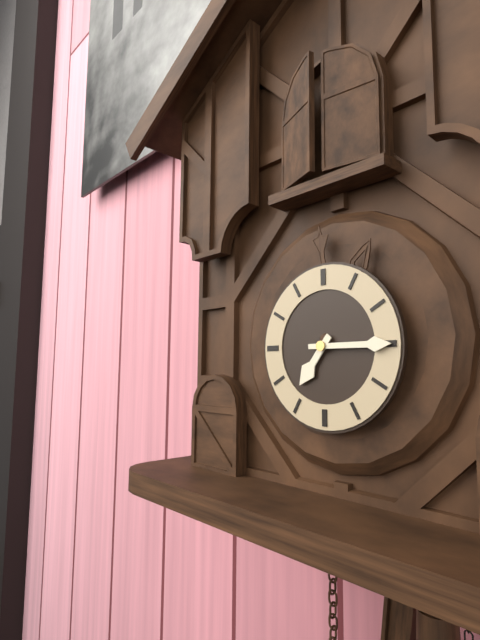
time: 7:15
